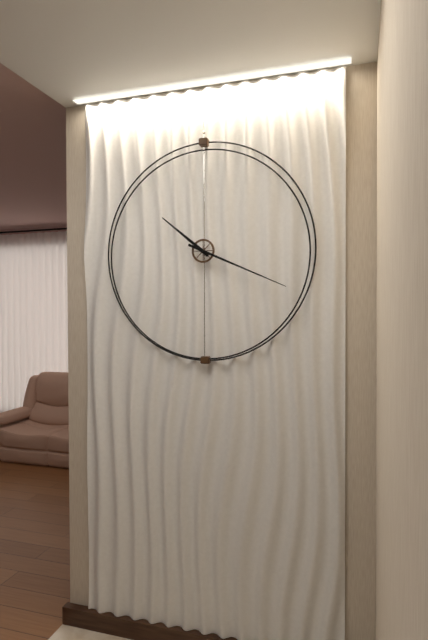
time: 10:19
